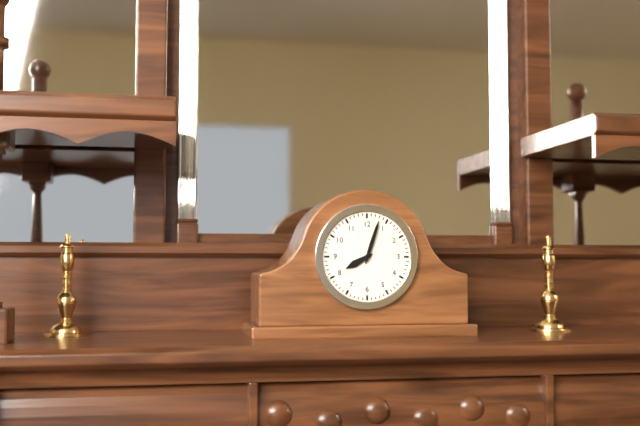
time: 8:03
